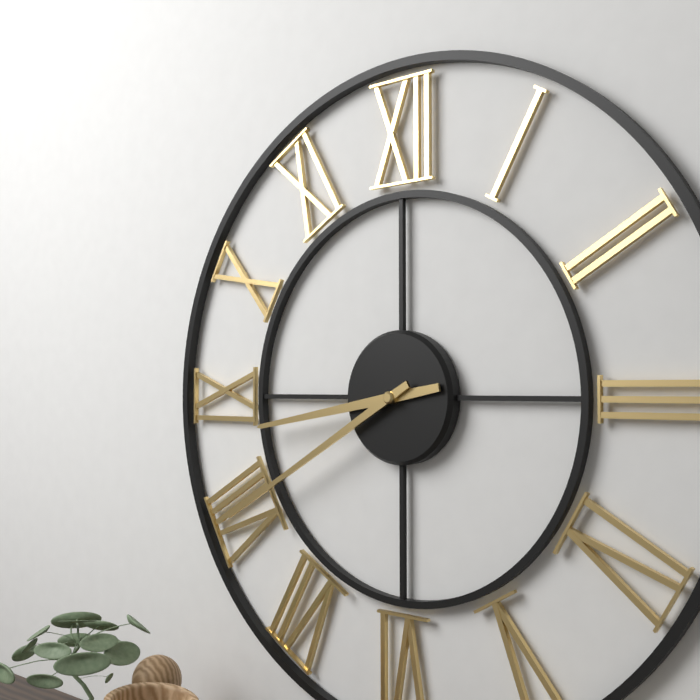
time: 8:40
